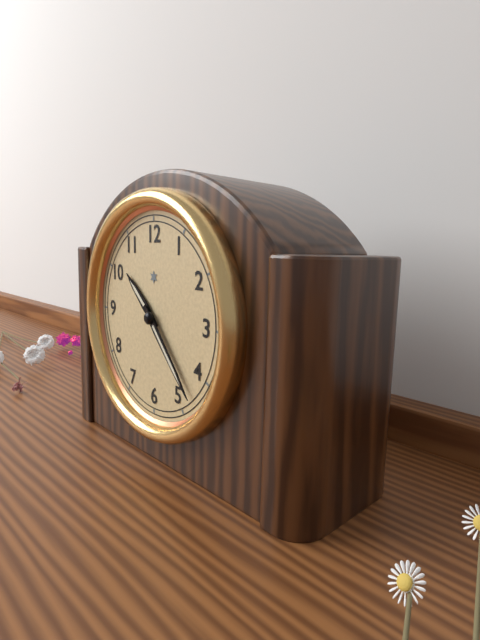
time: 10:23
